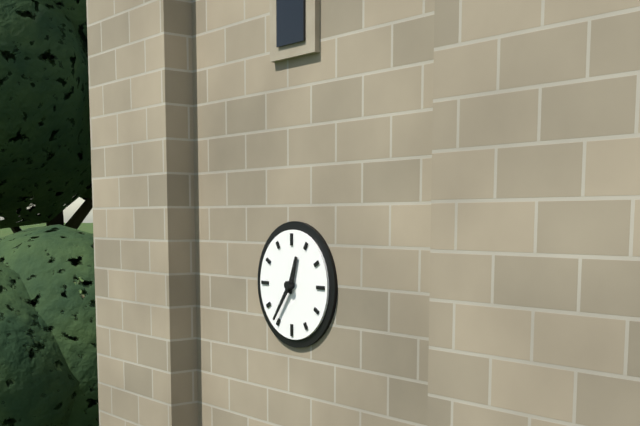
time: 12:36
